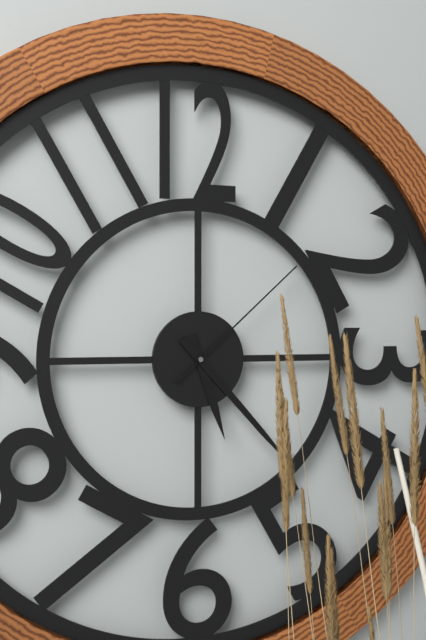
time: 5:23:08
